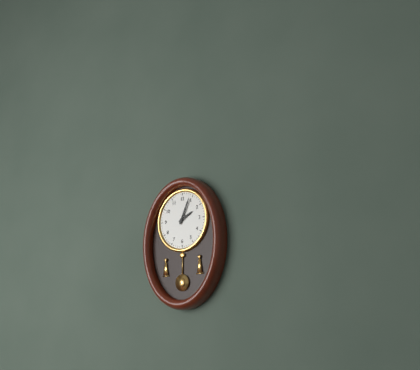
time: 2:04
